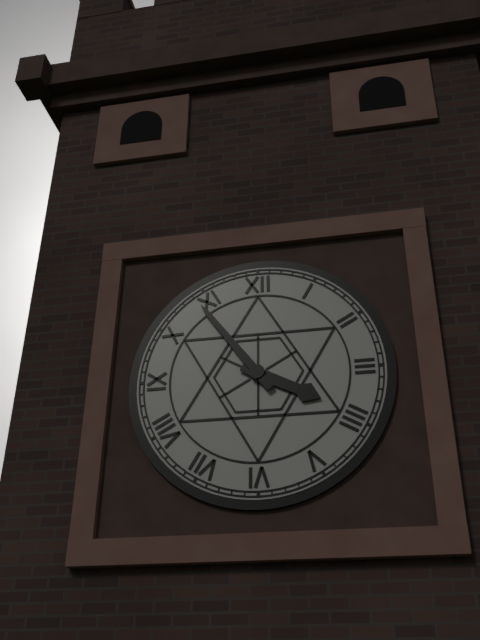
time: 3:54
